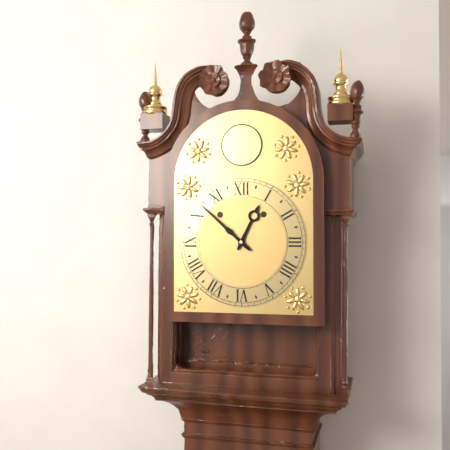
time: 12:52
